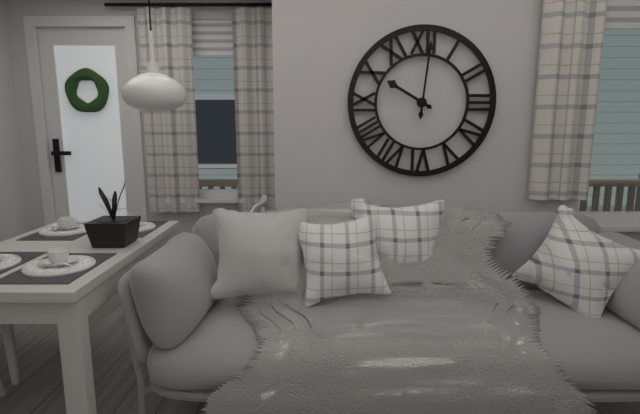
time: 10:01
